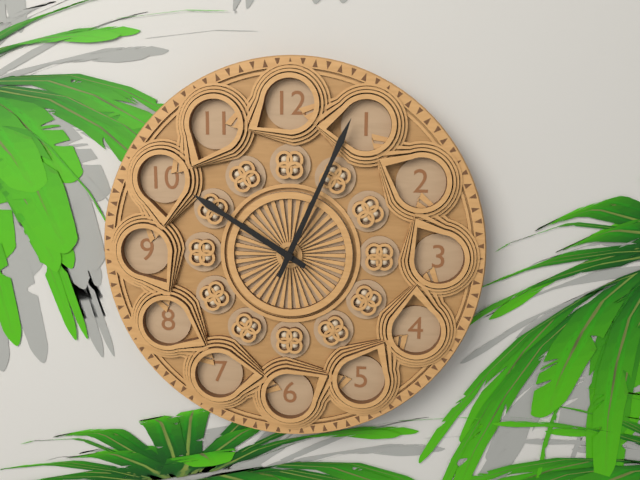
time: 10:04
